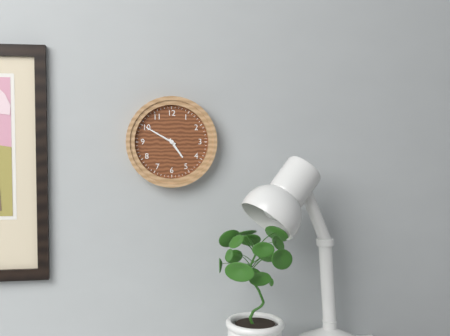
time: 4:50
